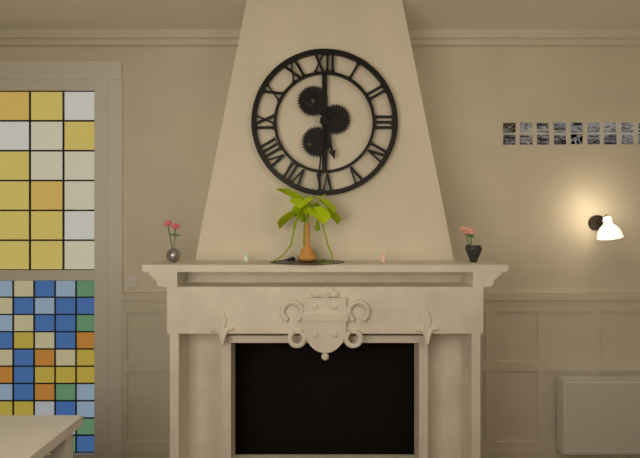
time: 5:31
